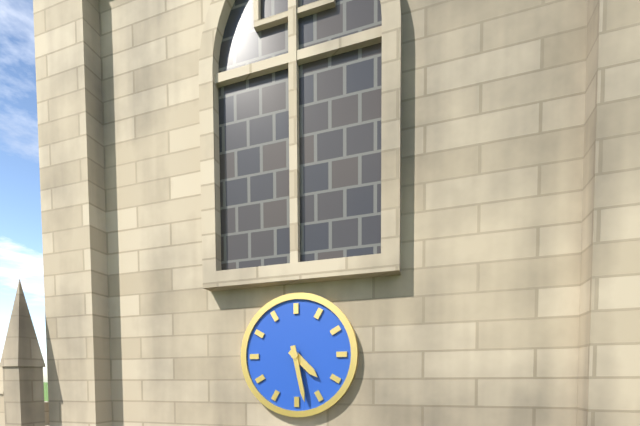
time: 4:28
